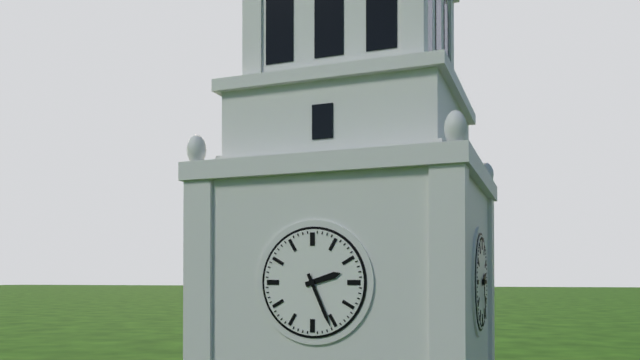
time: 2:26
